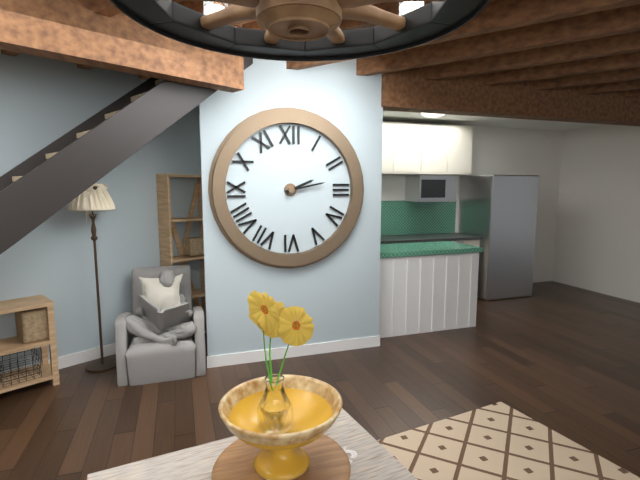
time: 2:13
